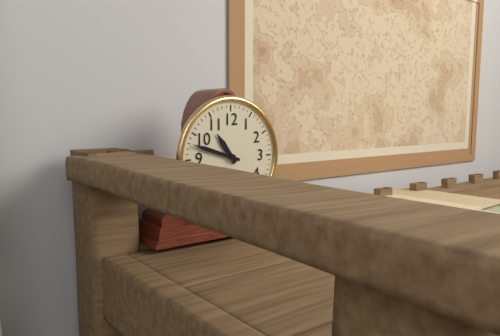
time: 10:48
